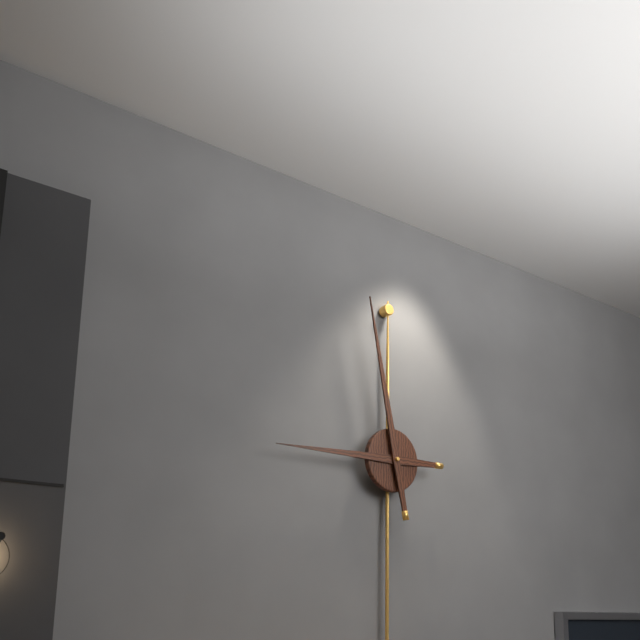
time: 8:58
